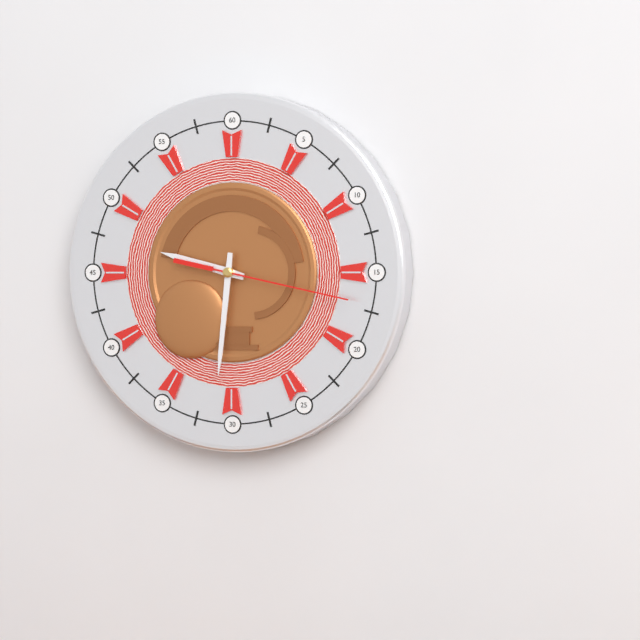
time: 9:31:17
